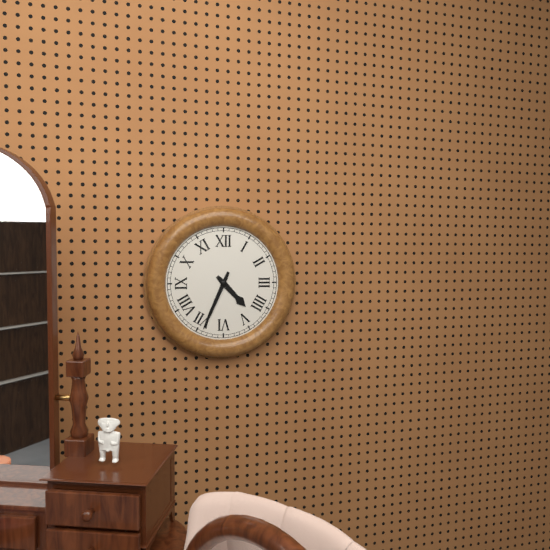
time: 4:34
